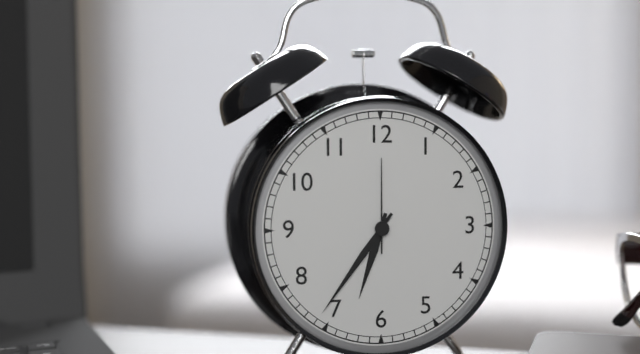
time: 6:36:00
